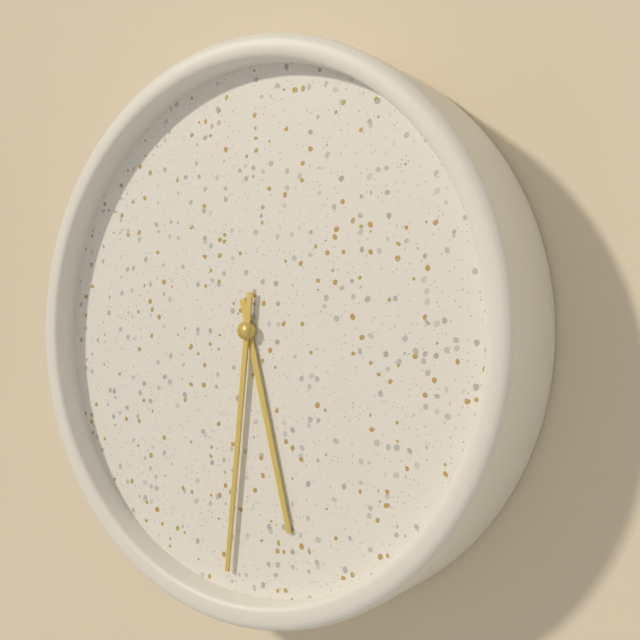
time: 5:31
